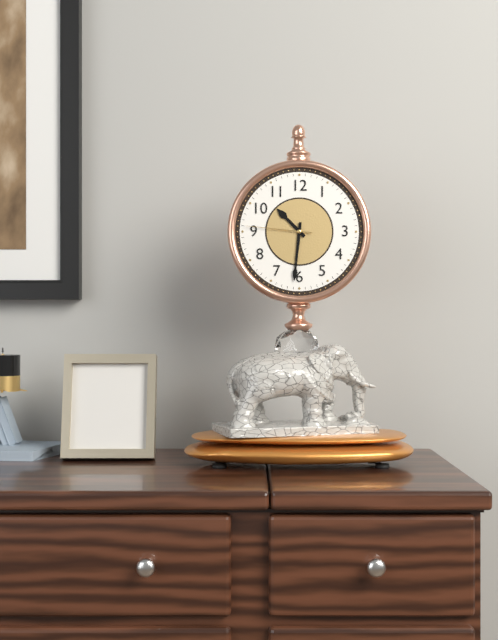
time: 10:31:46
